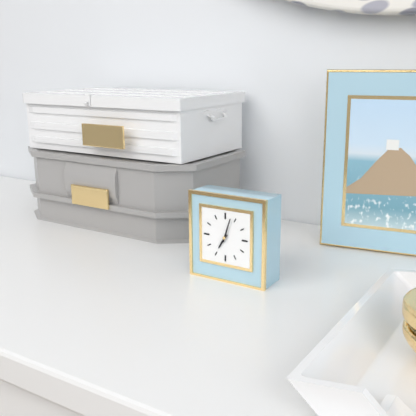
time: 7:03
